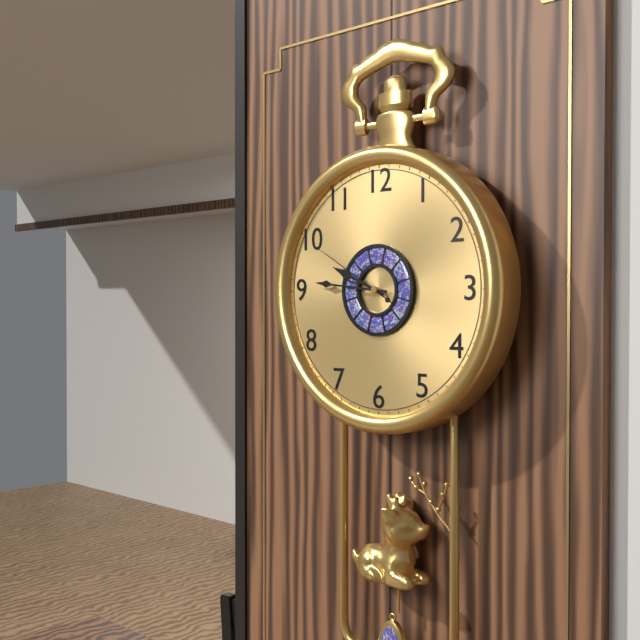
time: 9:46:50
